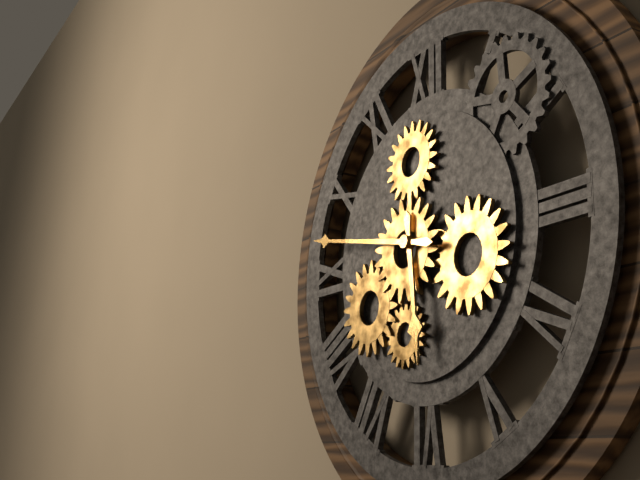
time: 5:47
